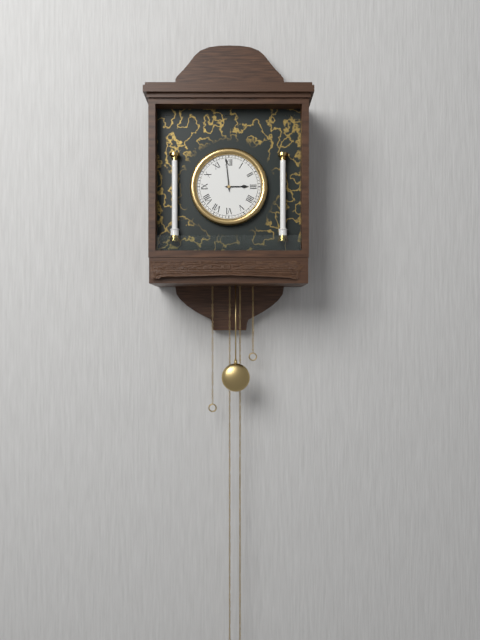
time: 2:59
